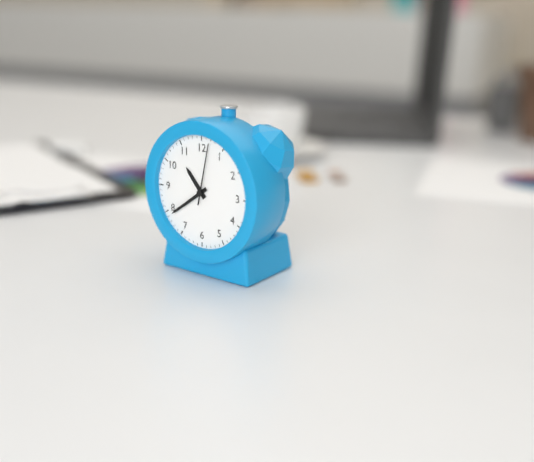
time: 10:39:02
